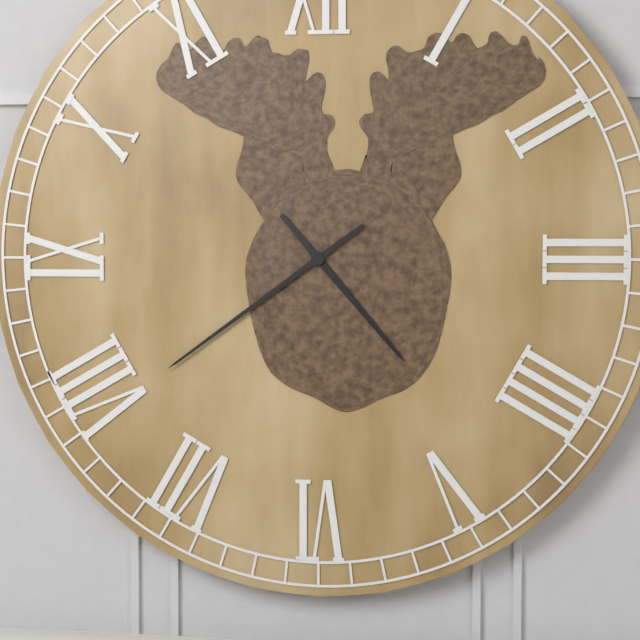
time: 4:39
